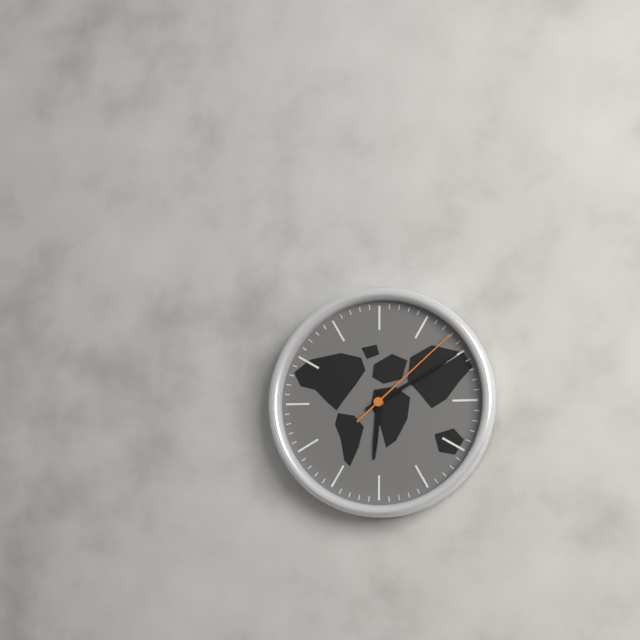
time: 6:10:08
